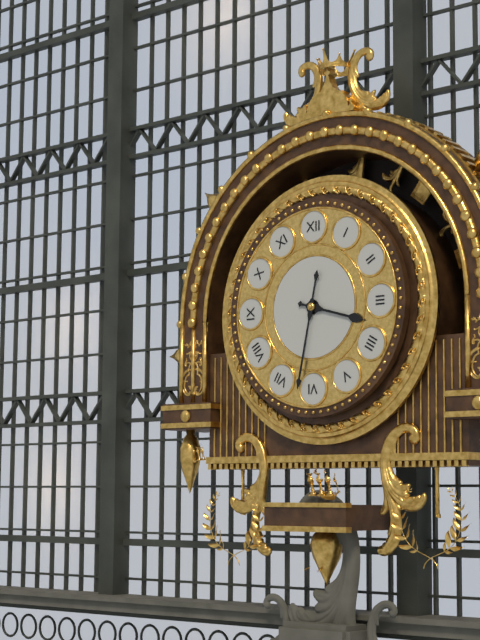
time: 3:32
